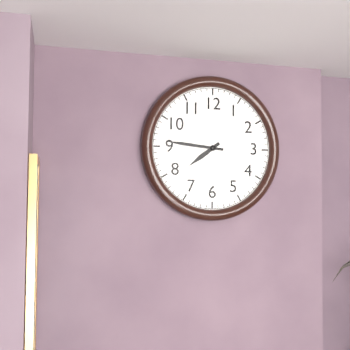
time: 7:46
